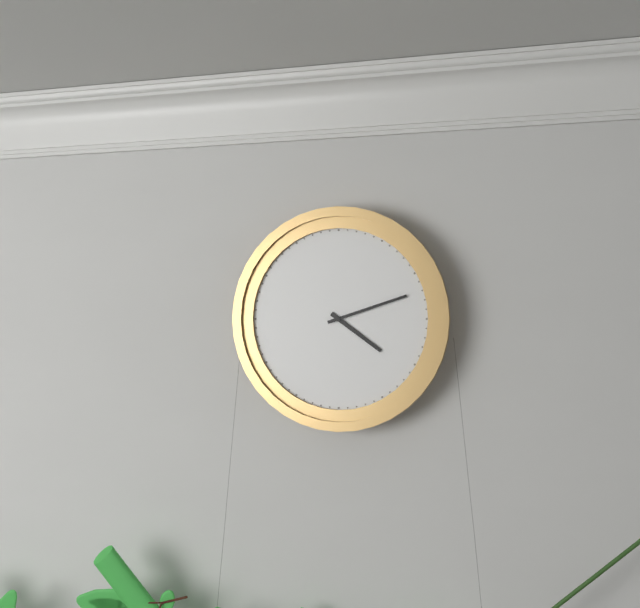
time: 4:12
